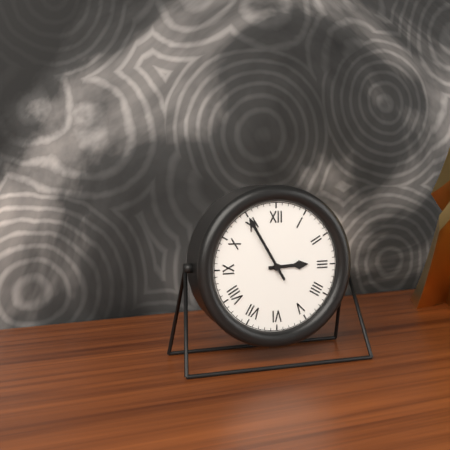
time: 2:55
